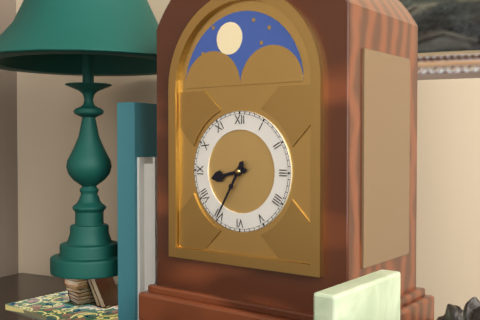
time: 8:35
